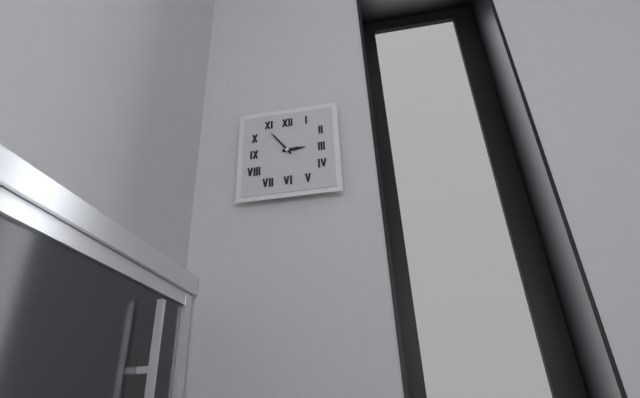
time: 2:54
